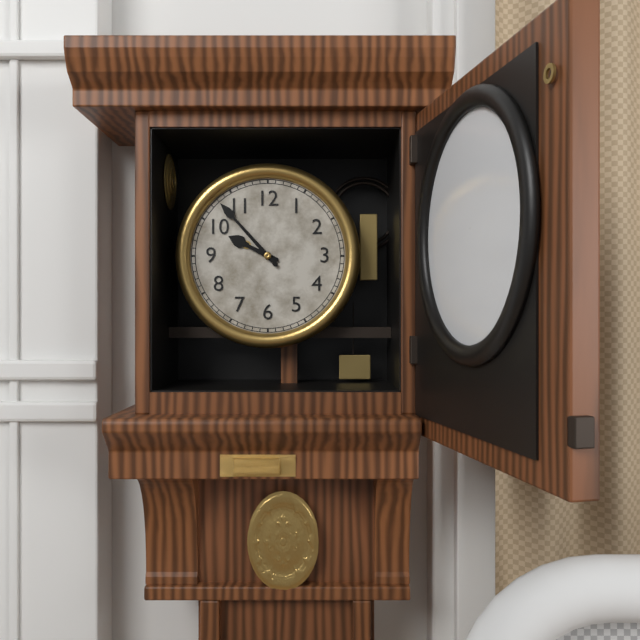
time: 9:53
